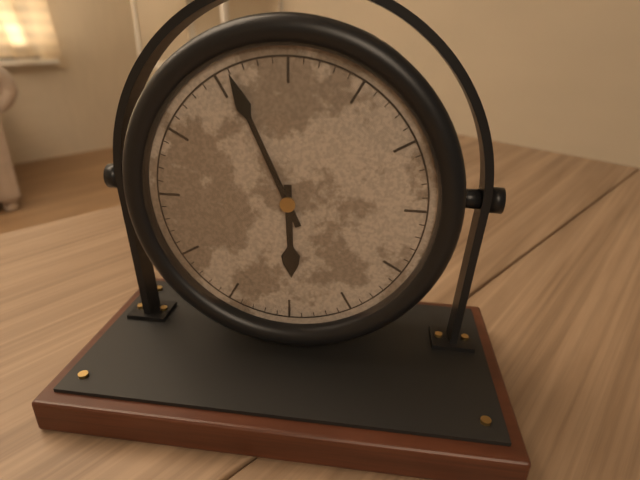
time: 5:56
